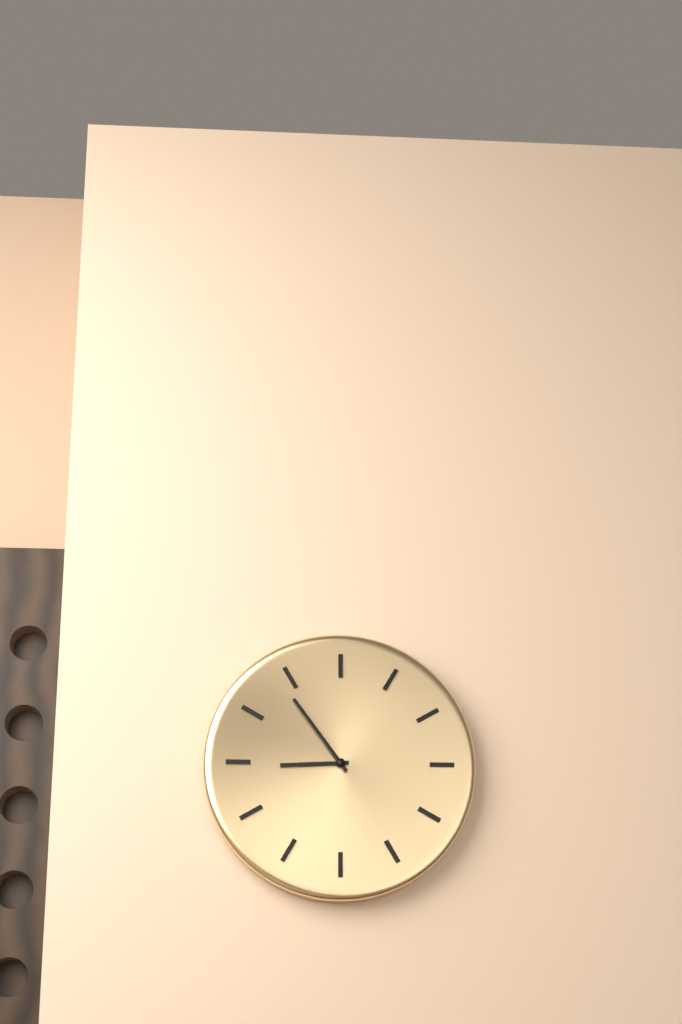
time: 8:54
